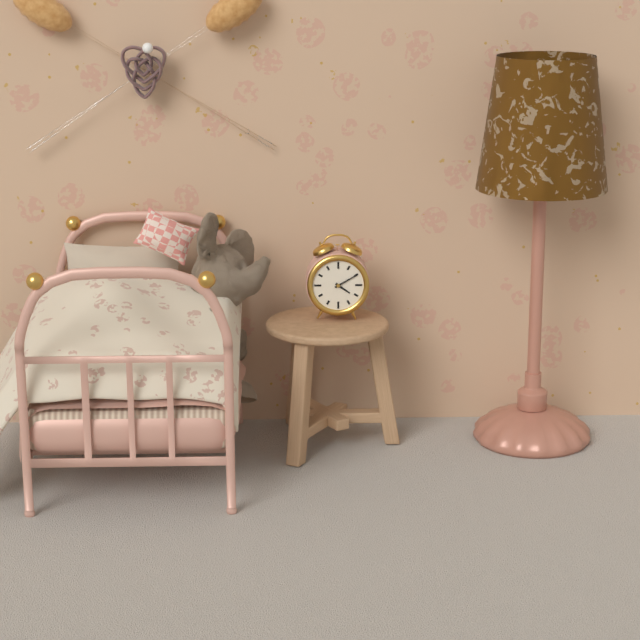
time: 4:10
